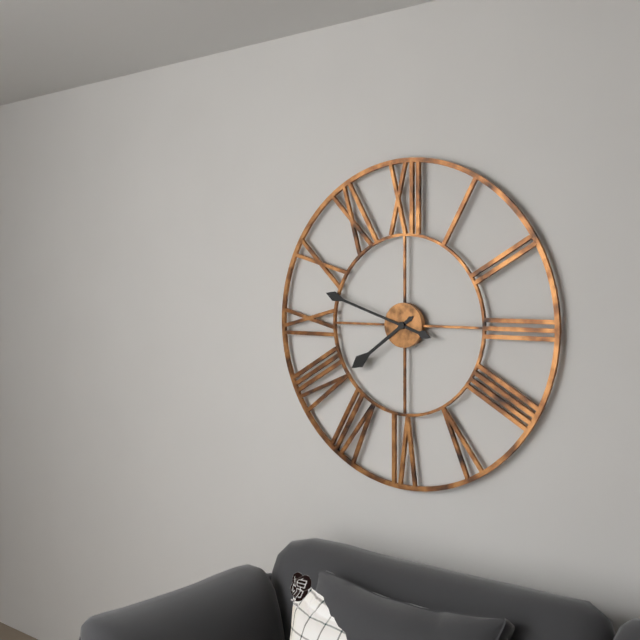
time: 7:48
